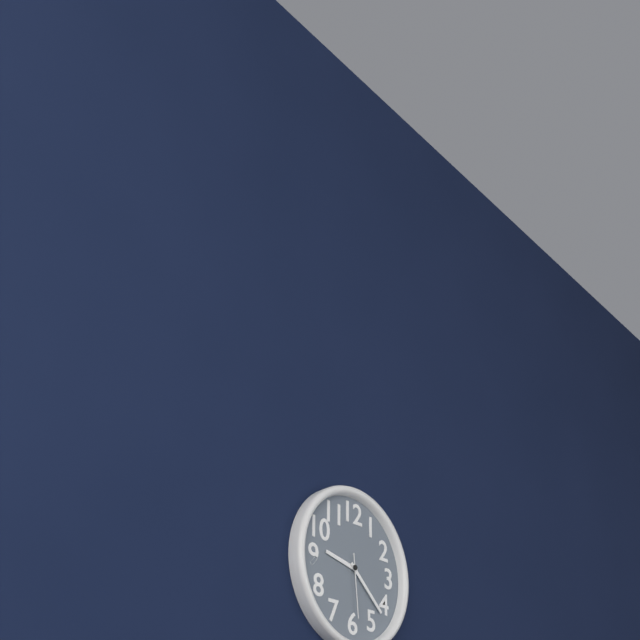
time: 9:22:29
